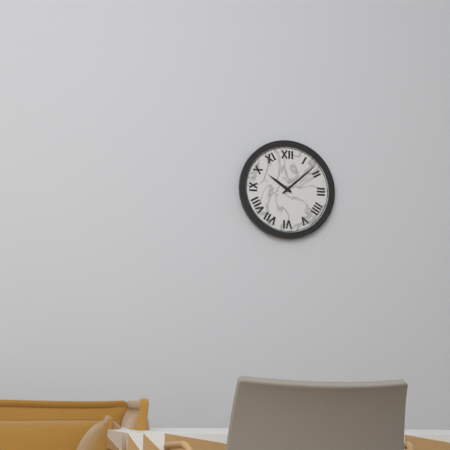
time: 10:08
